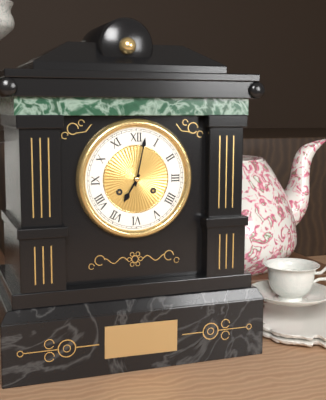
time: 7:02
